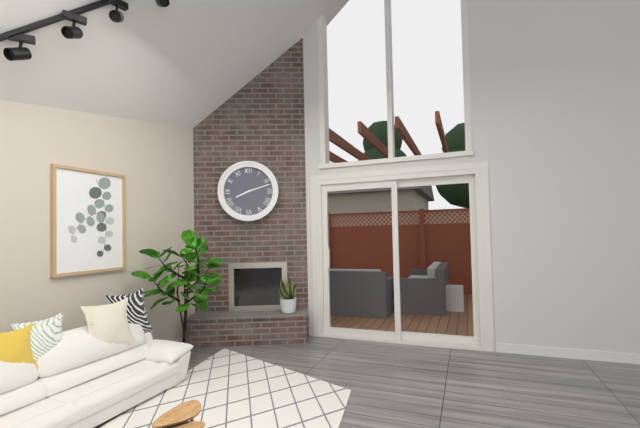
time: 8:12
